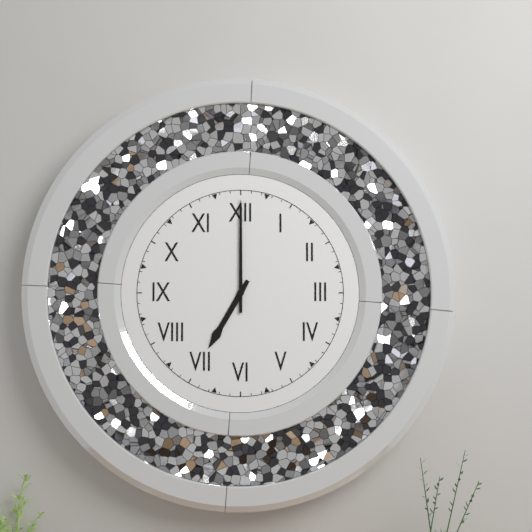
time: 7:00
